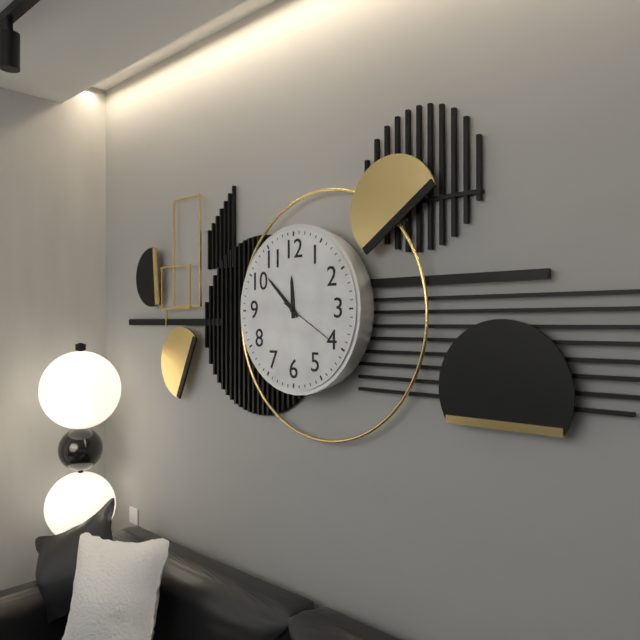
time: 11:52:20
